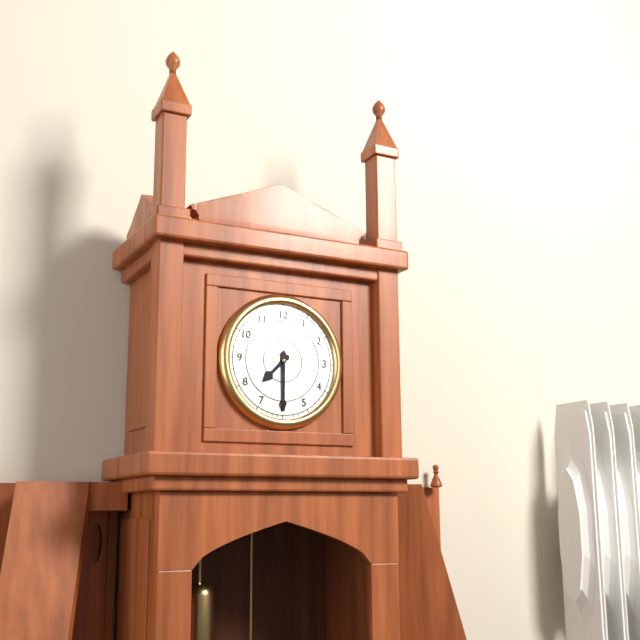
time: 7:30
